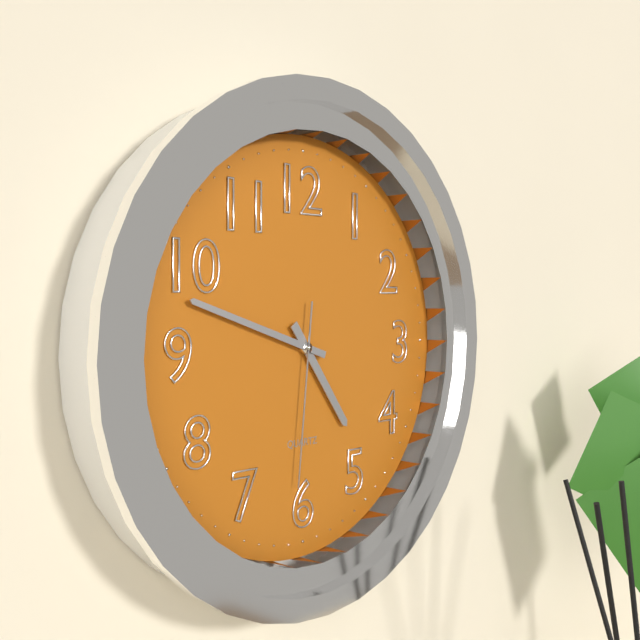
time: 4:48:31
